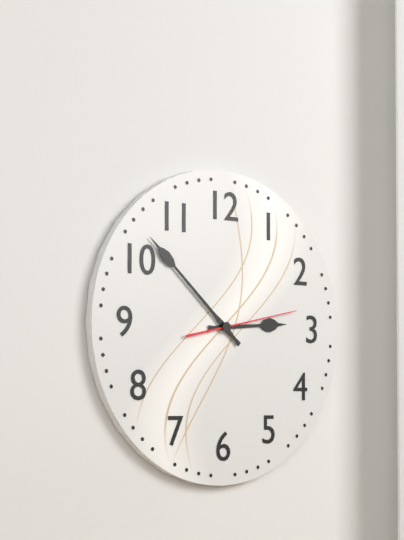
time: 2:52:13
